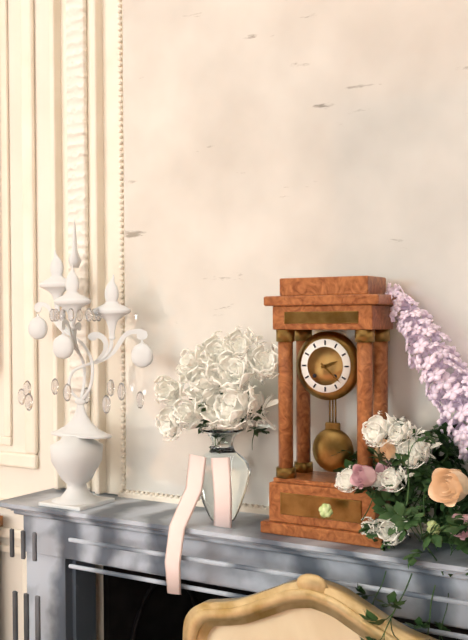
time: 2:22
